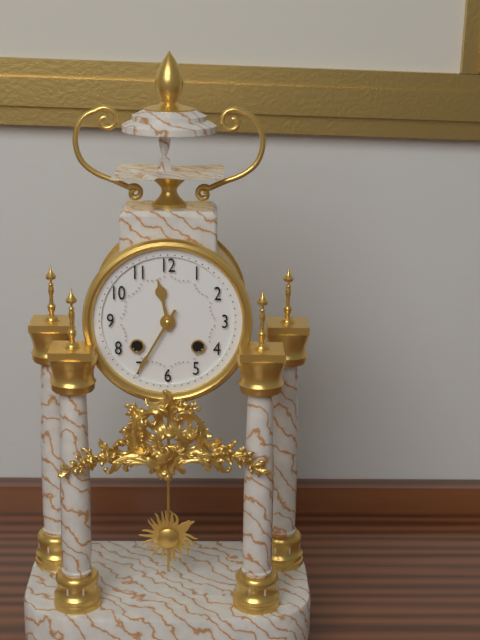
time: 11:35
